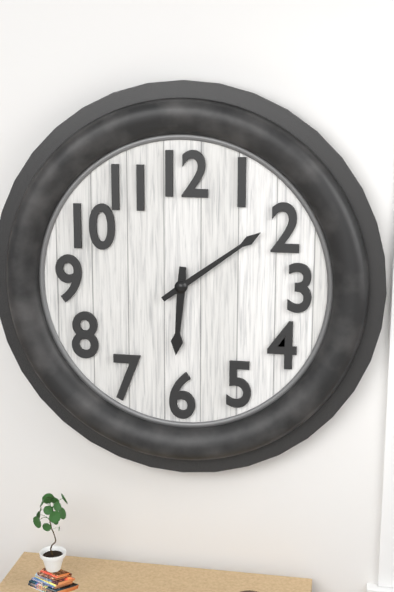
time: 6:09
